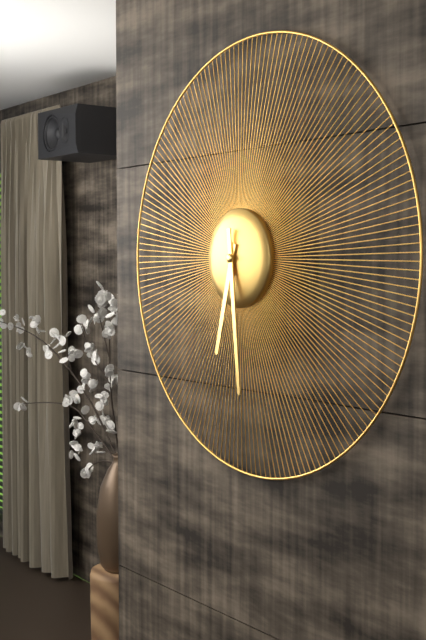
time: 6:29
